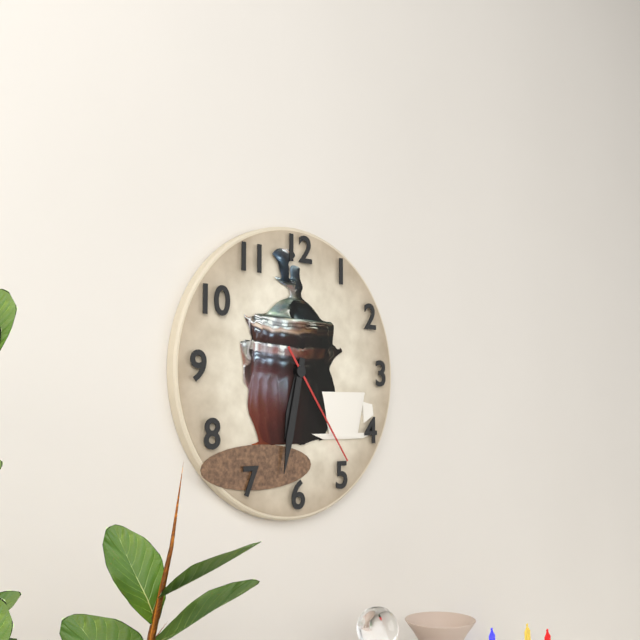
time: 6:32:24
